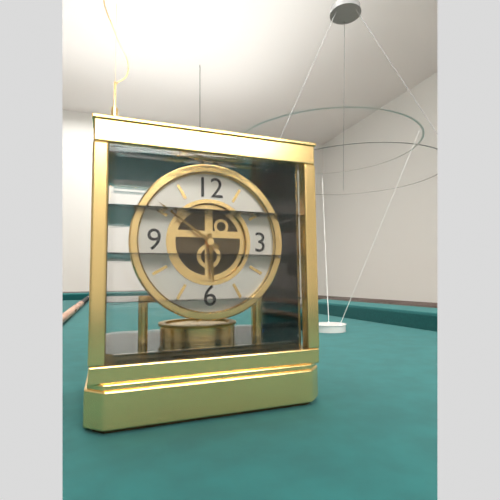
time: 5:51
